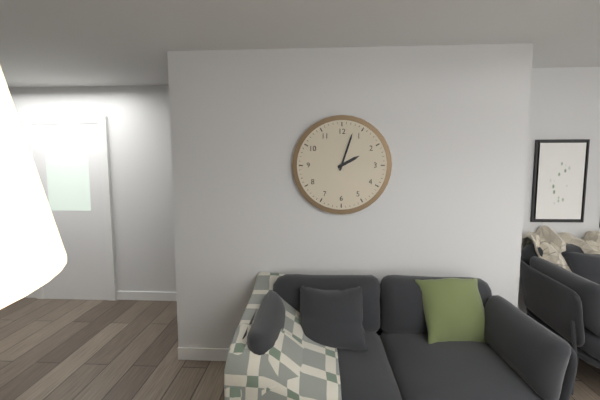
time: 2:03
